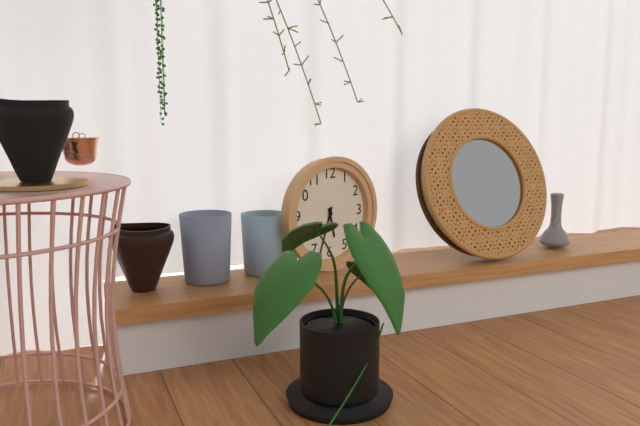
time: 5:33
